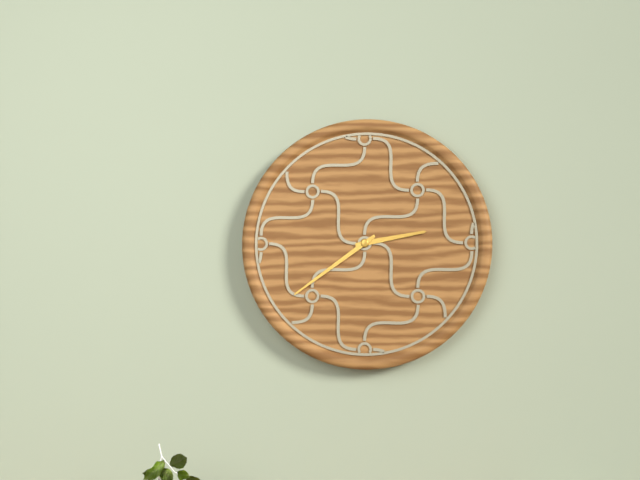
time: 2:39
